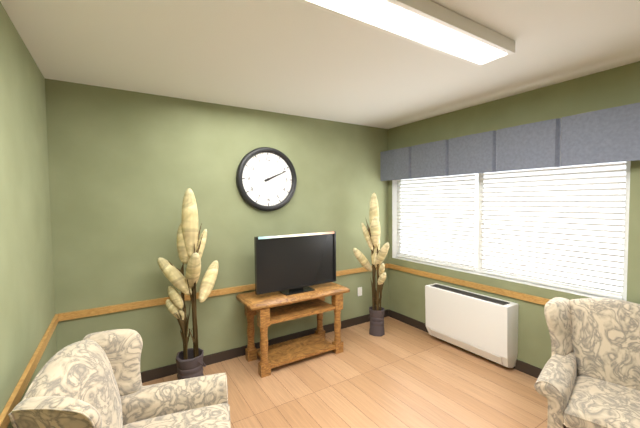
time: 2:11
